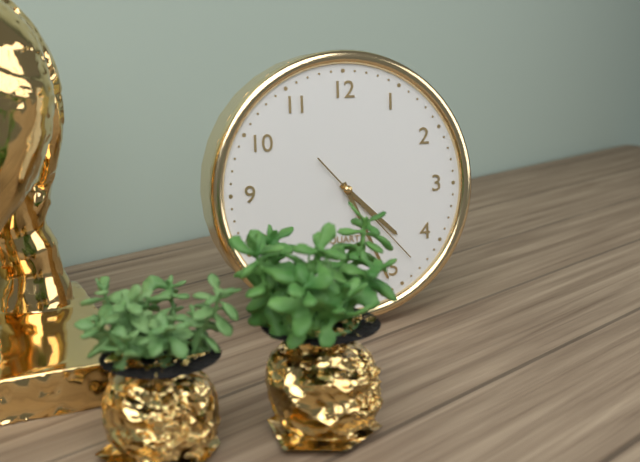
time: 4:26:23
